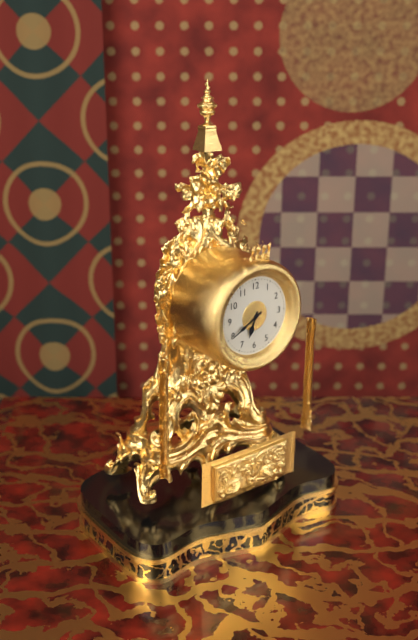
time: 6:40
